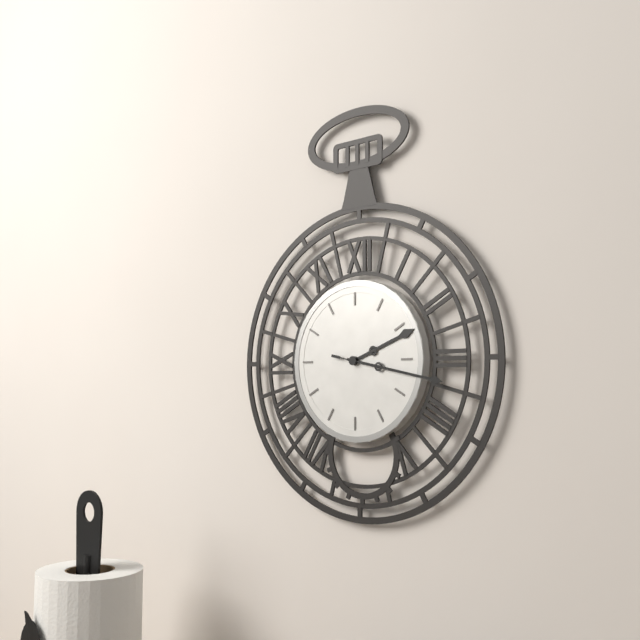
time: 2:17:17
